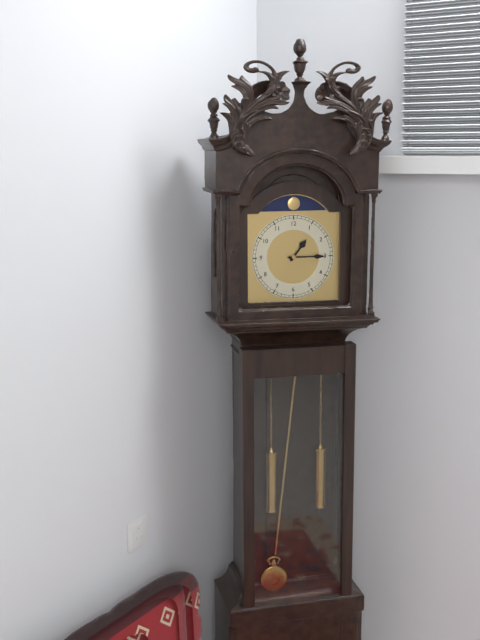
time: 1:15
